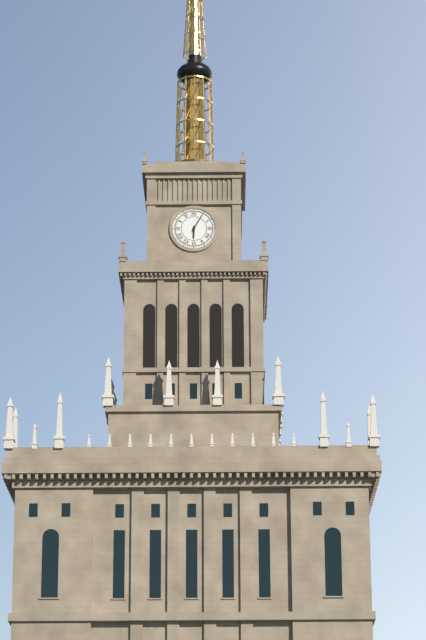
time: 6:05
